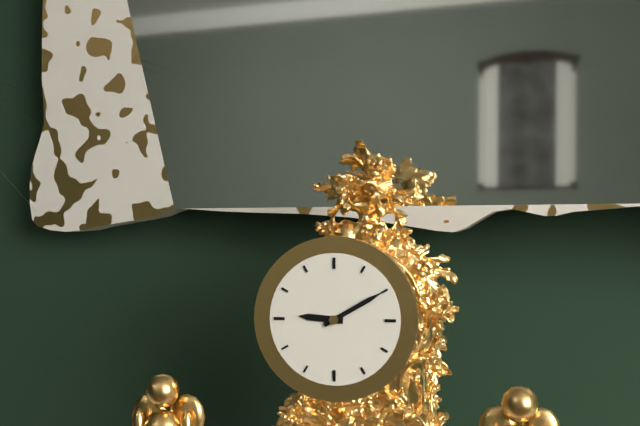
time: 9:10
